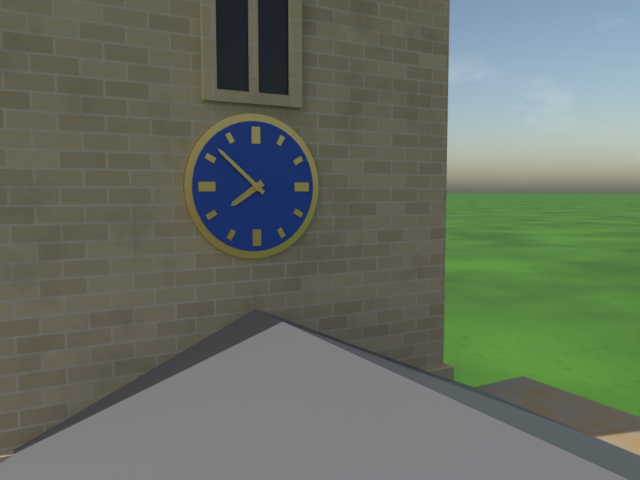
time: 7:52
